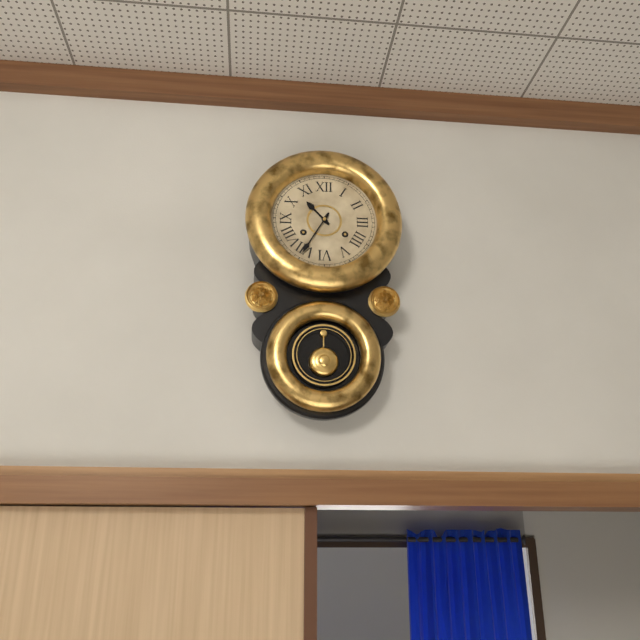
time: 10:35
